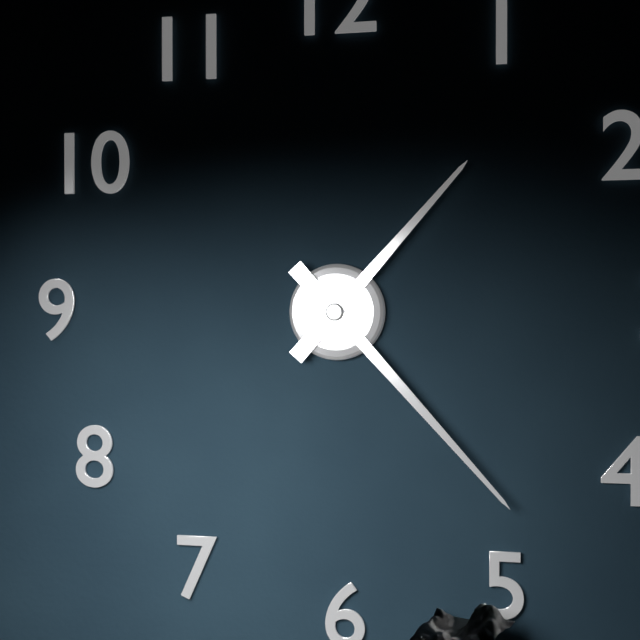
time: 1:23
